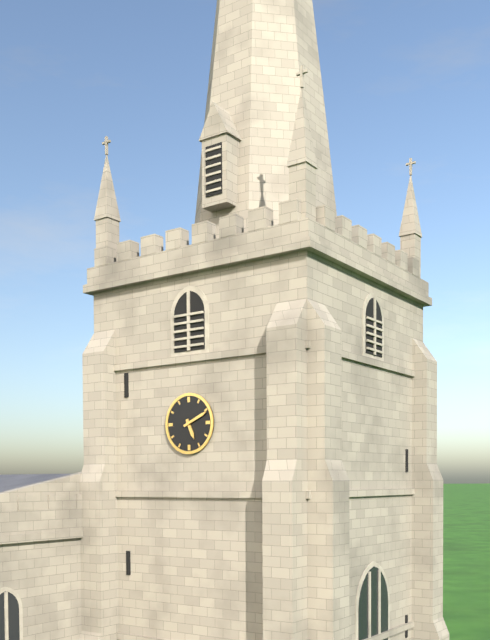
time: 5:11
